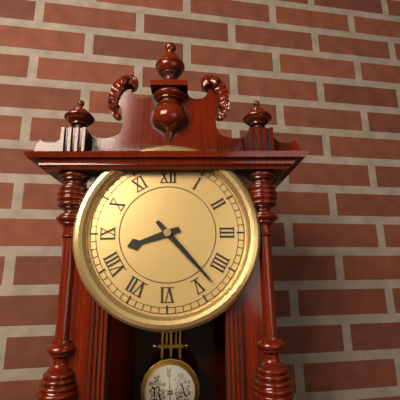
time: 8:23
